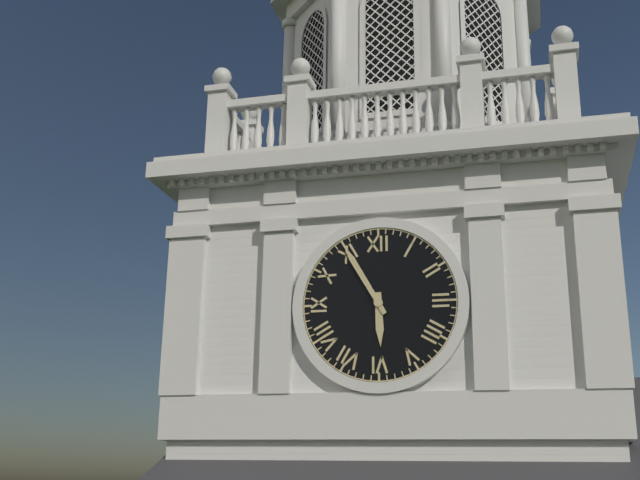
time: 5:55
